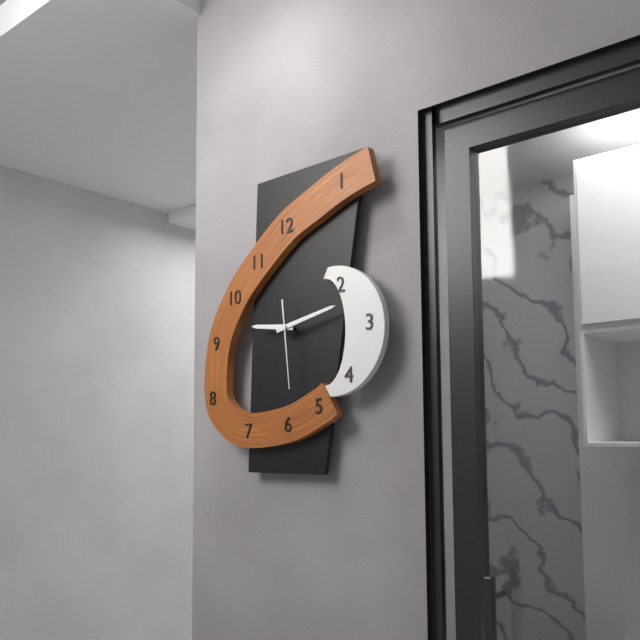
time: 9:13:29
